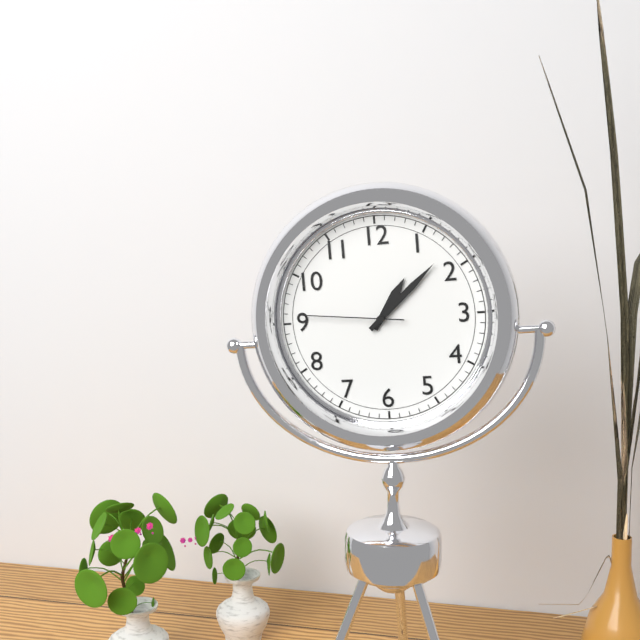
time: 1:08:46
